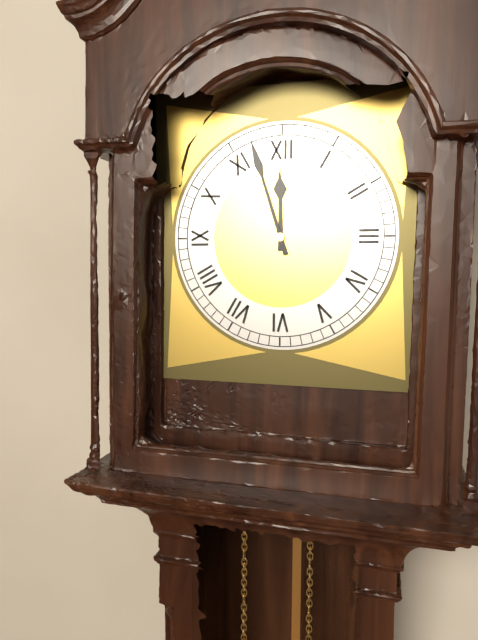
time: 11:57
